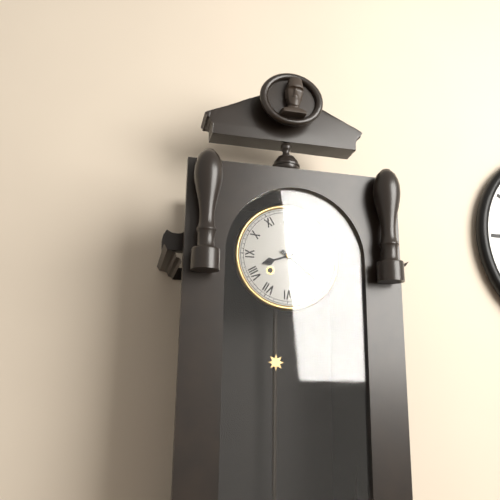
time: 8:21
